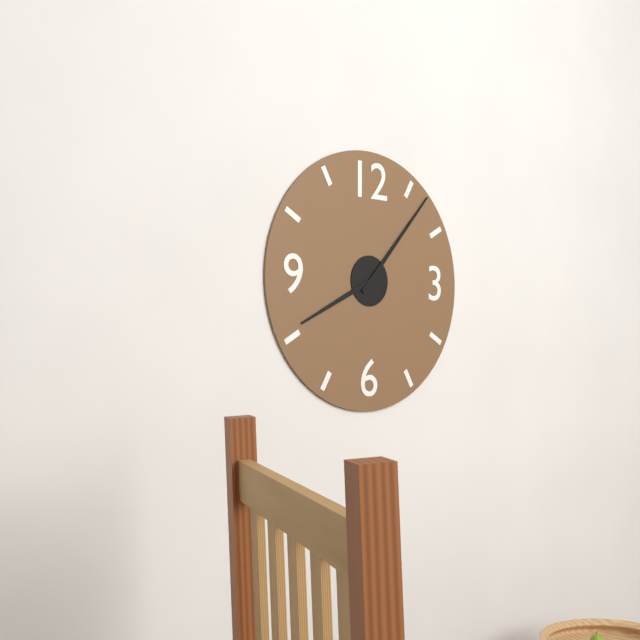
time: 8:07
